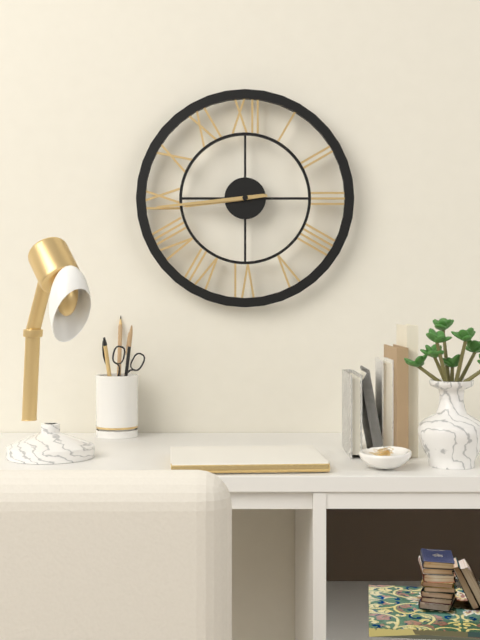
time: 8:44
